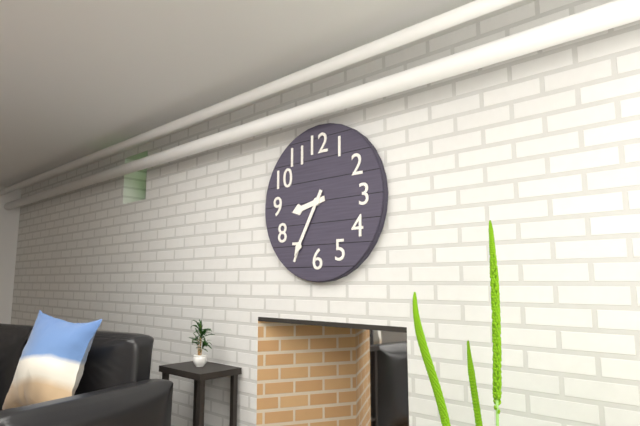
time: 8:35
